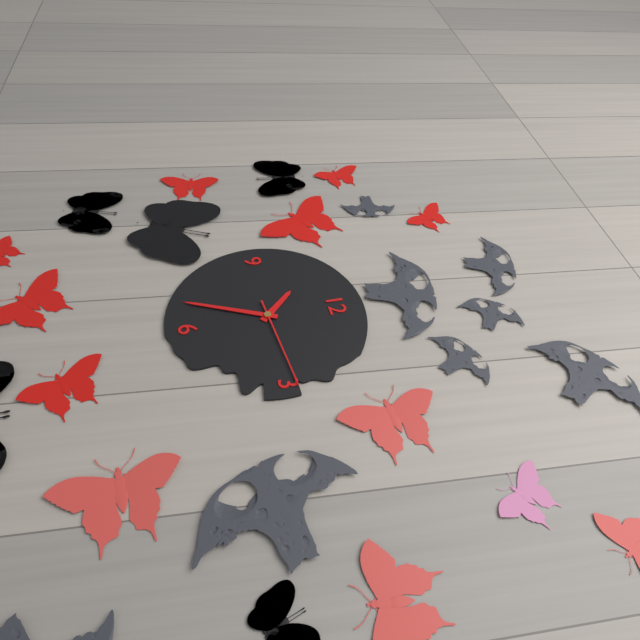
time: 10:34:14
